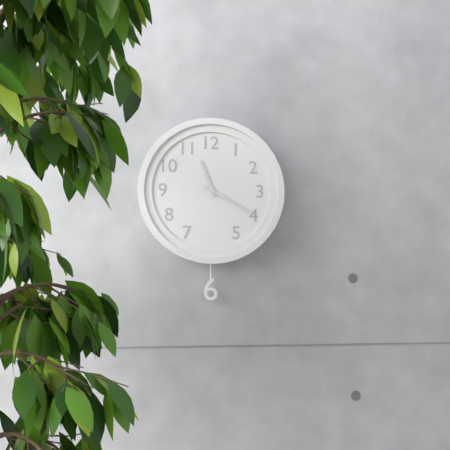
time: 11:20
